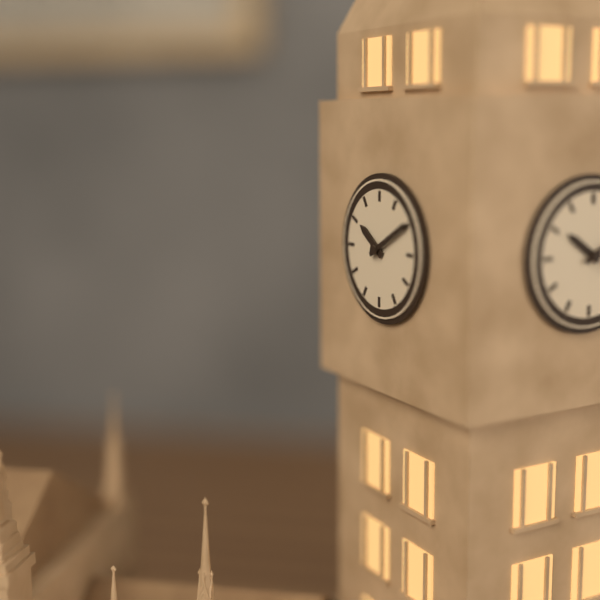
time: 10:10
